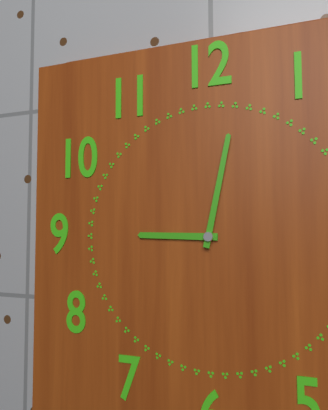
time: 9:02
